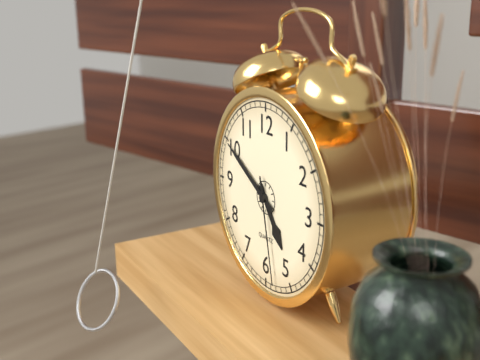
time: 4:50:28
